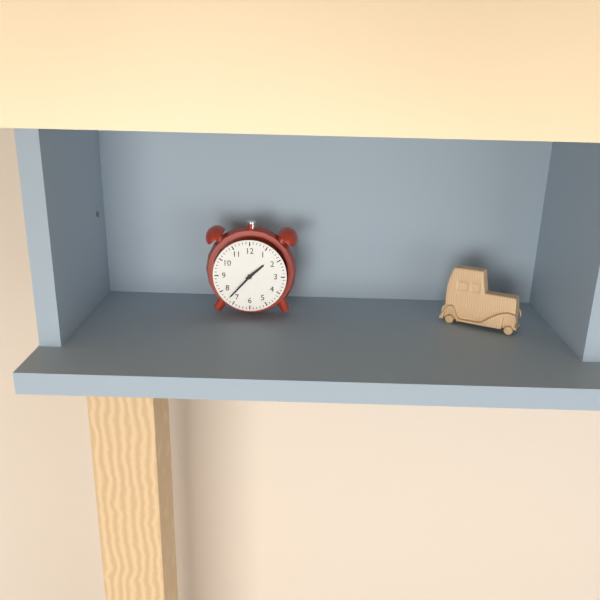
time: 1:37
